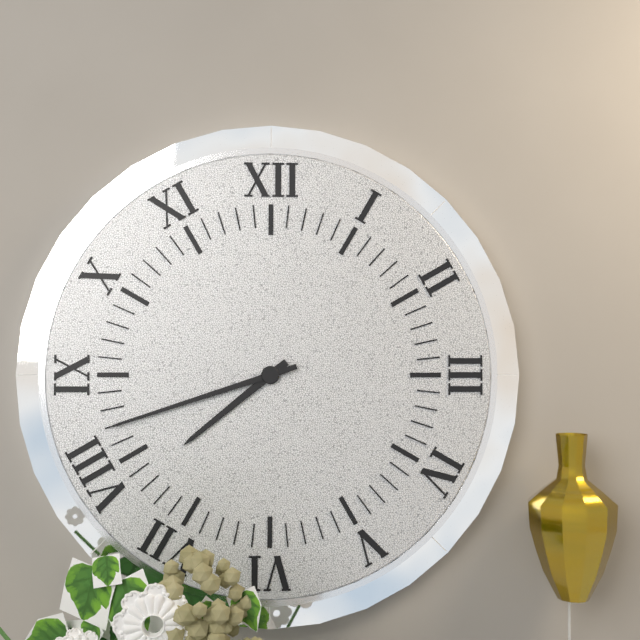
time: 7:42
